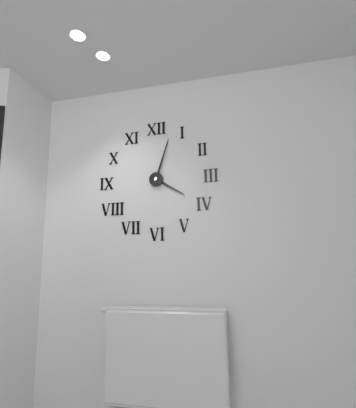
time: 4:03
